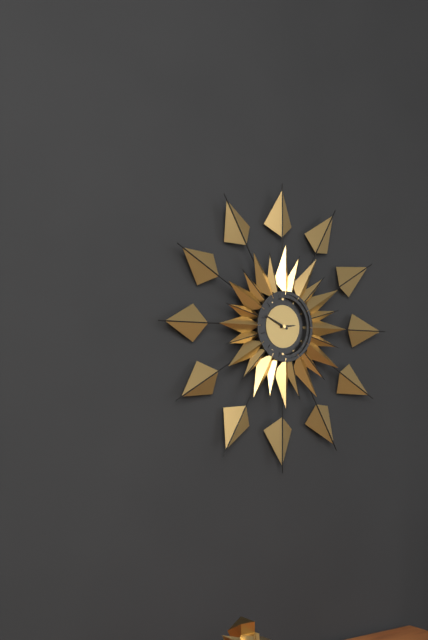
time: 2:49
